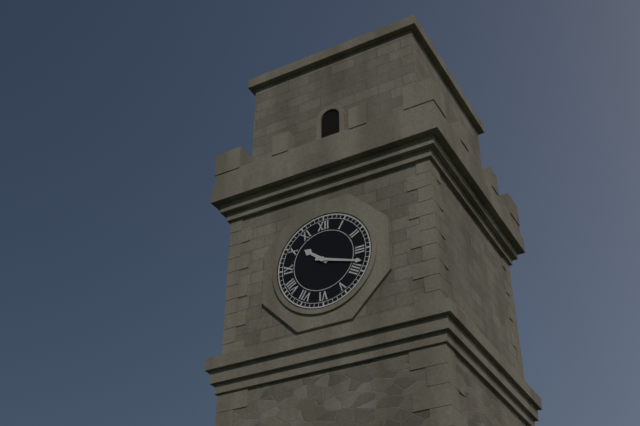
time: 10:18
